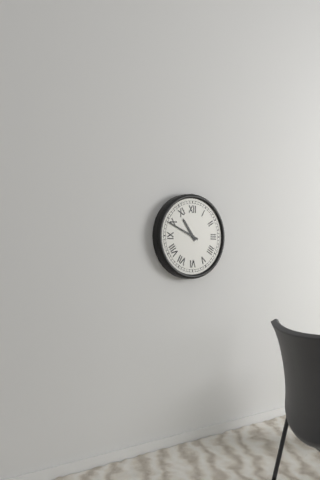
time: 10:49
